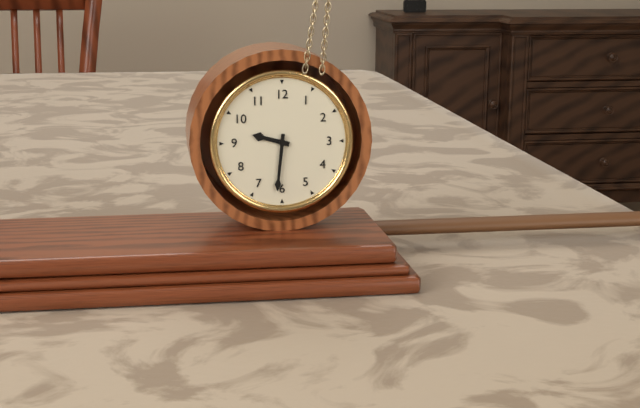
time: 9:31
